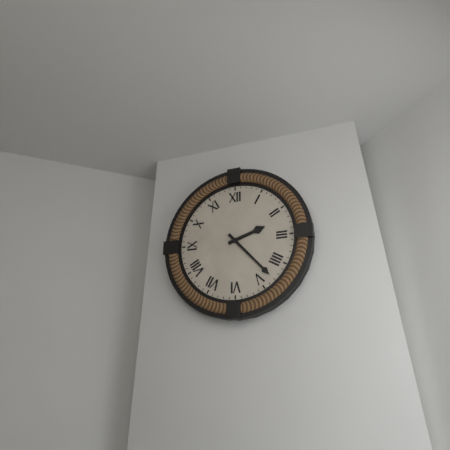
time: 2:23
